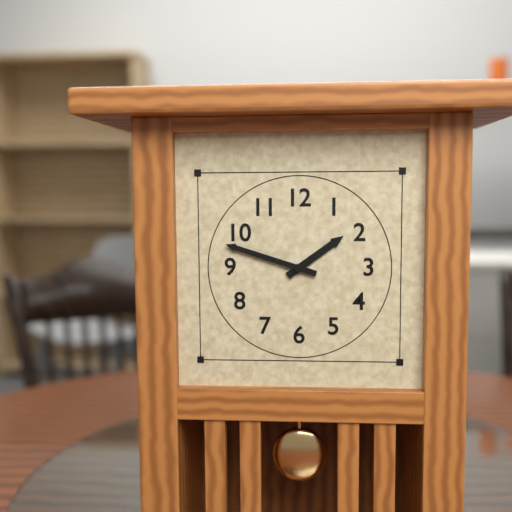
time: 1:48
